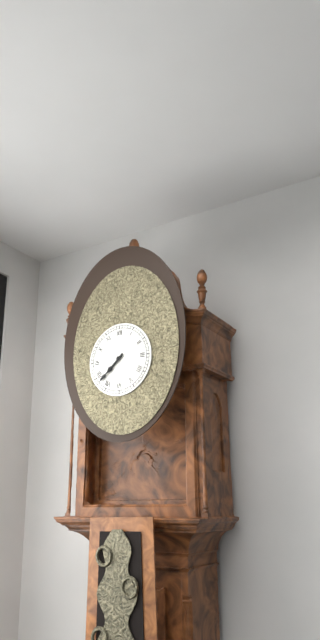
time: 7:38
